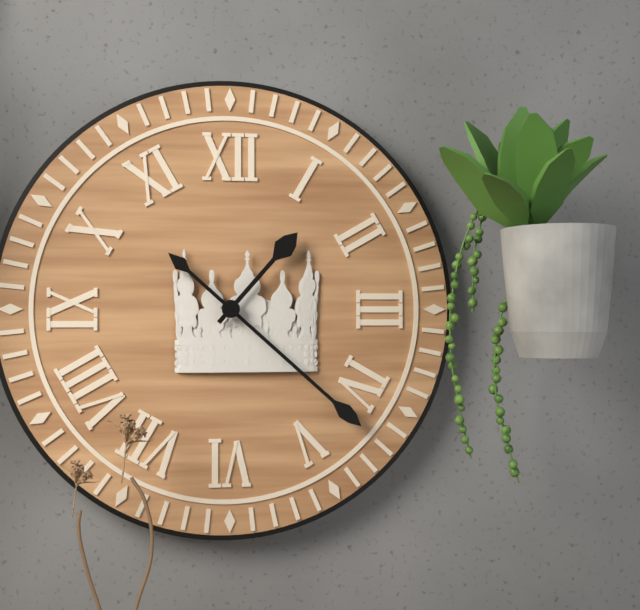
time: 1:22
